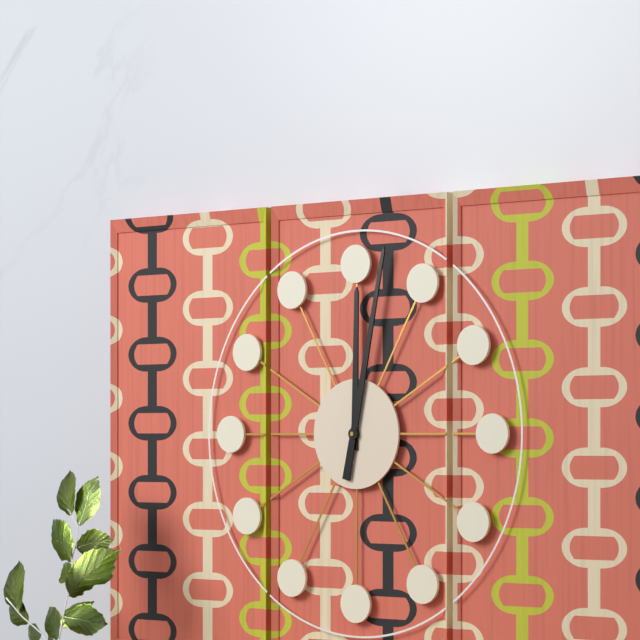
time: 12:02
